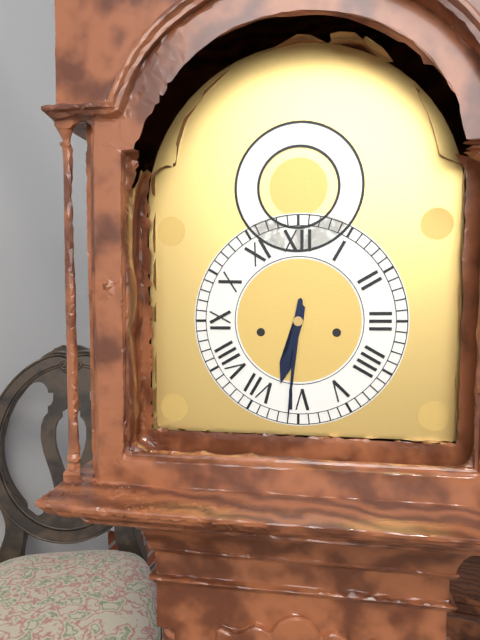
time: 6:31
